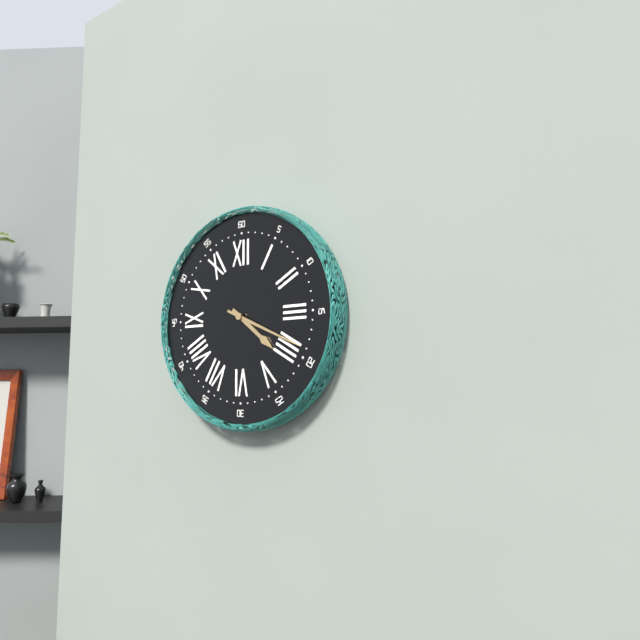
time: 4:19
